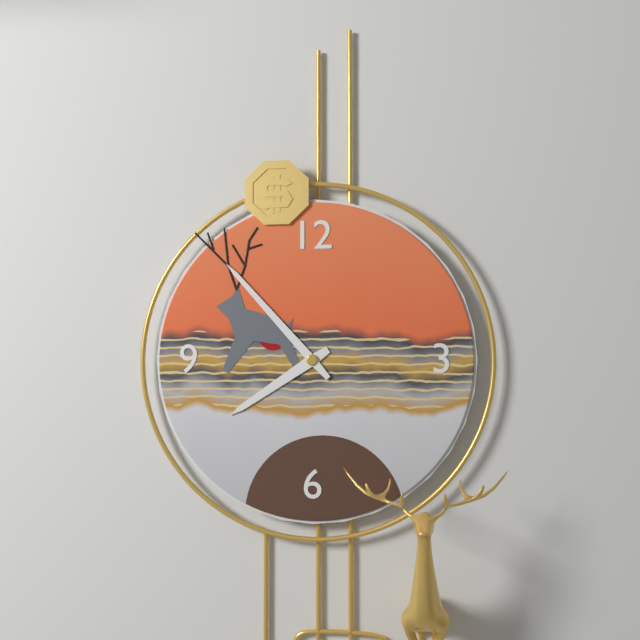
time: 7:53
